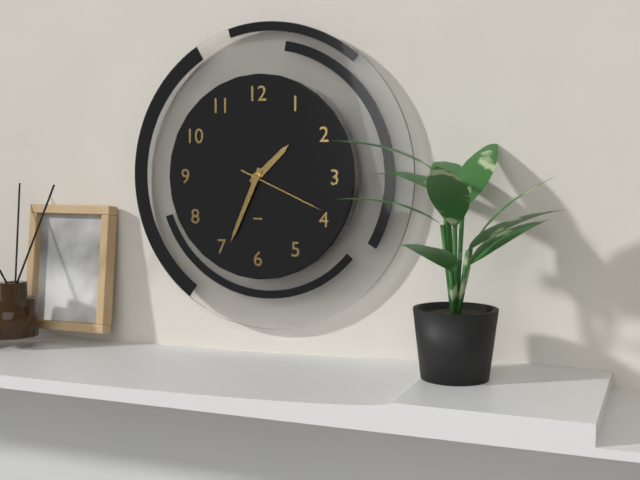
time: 1:34:19
